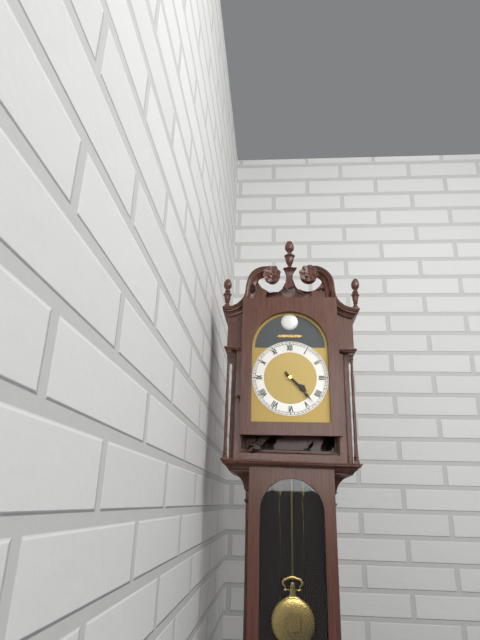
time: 4:23
